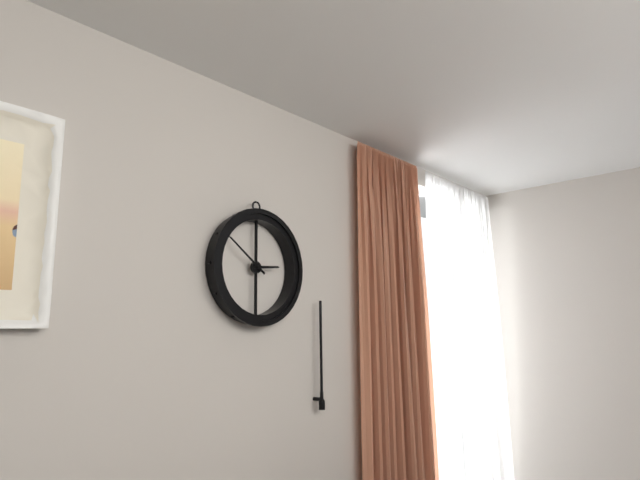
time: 2:51
